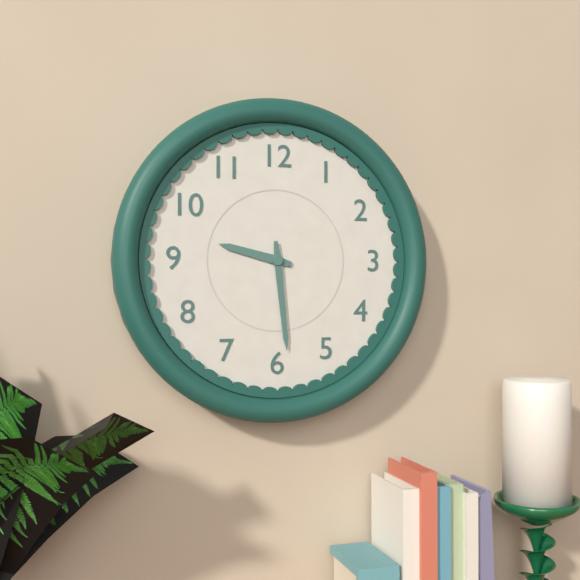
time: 9:29
